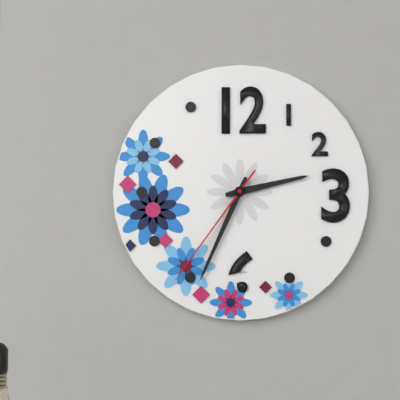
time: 2:34:36
